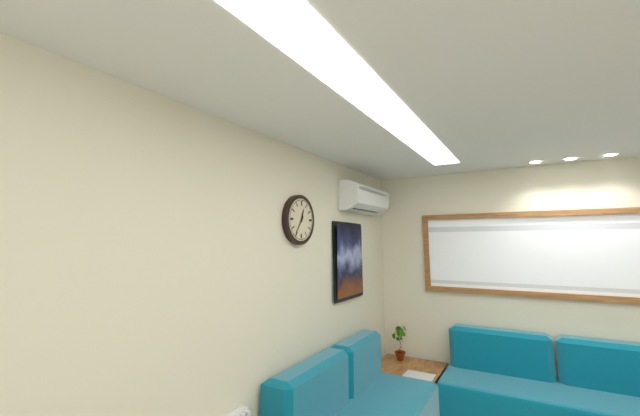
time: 12:36
